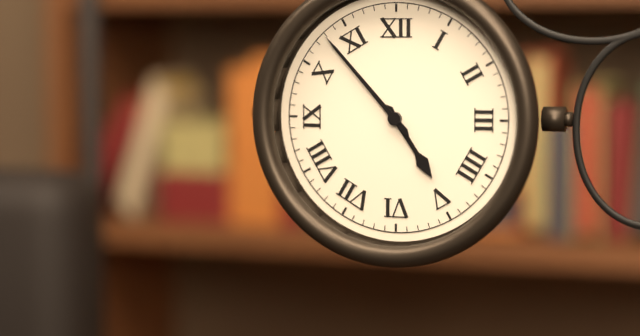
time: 4:53
